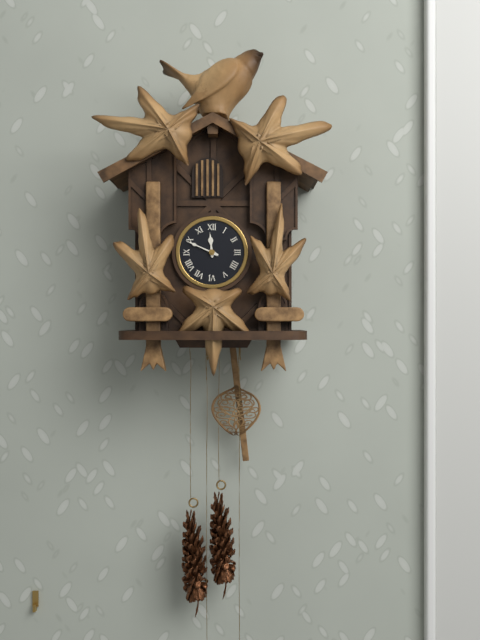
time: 11:49
